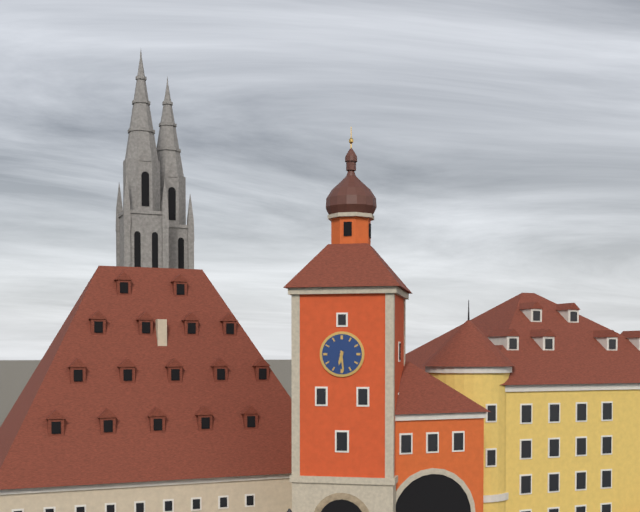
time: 6:29
